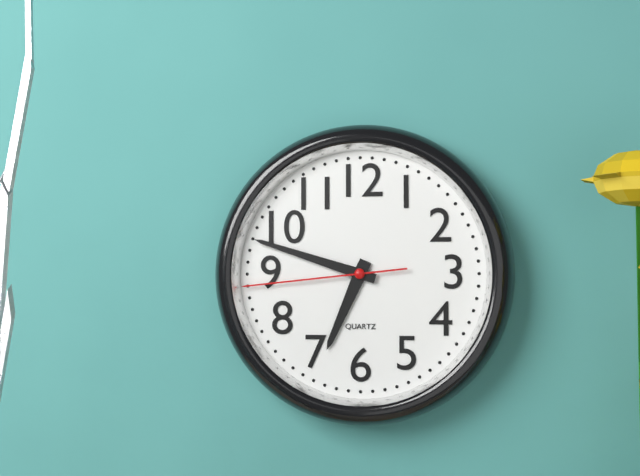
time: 6:48:44
